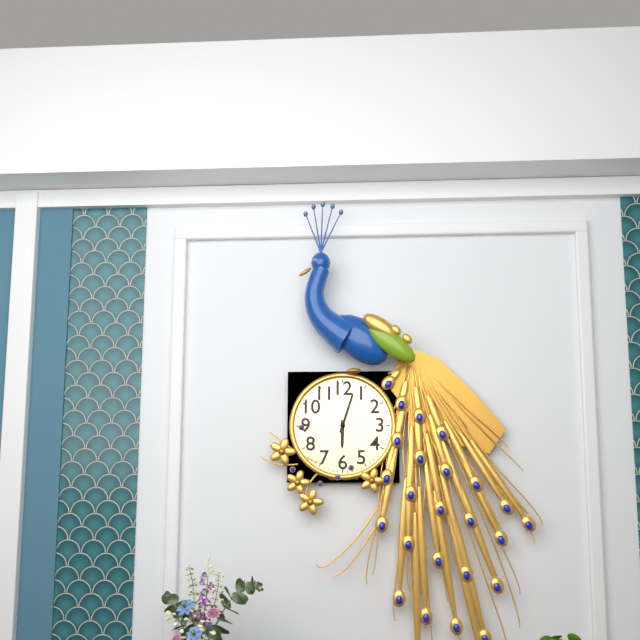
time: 6:03
